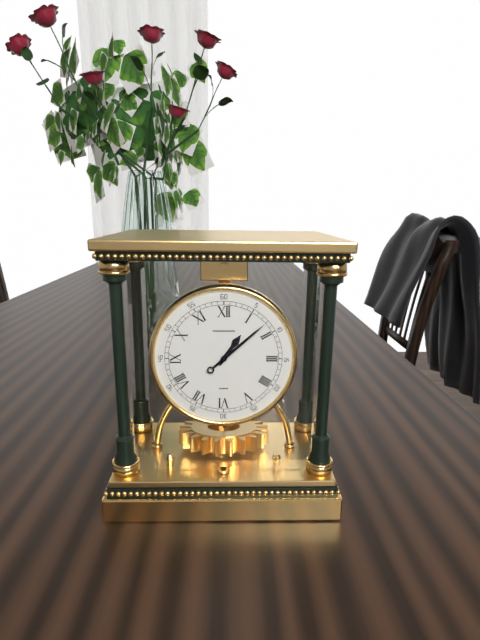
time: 1:08
